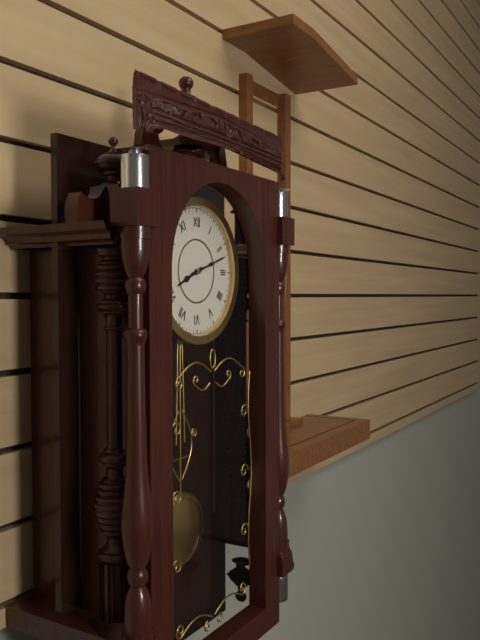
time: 8:12
